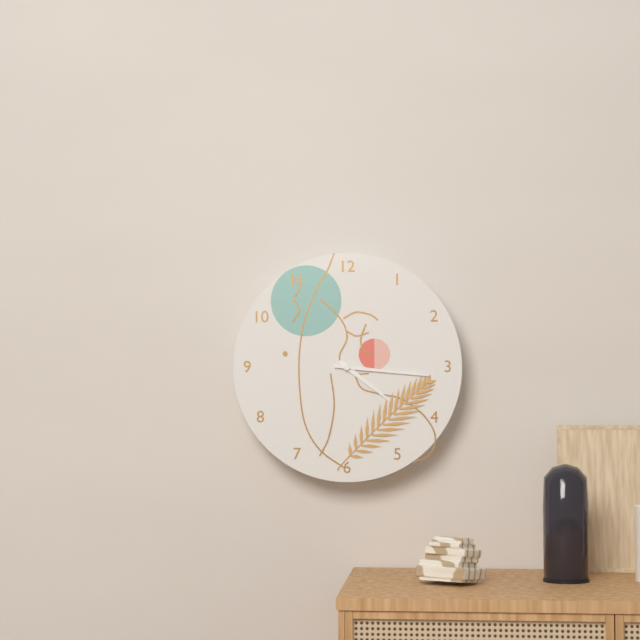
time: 4:16
